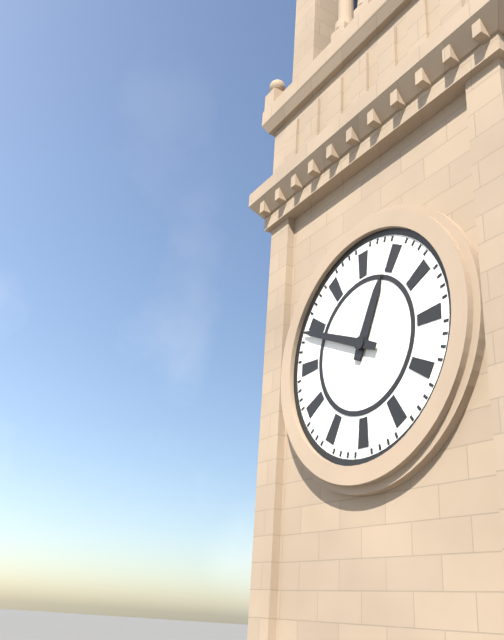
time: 12:49
